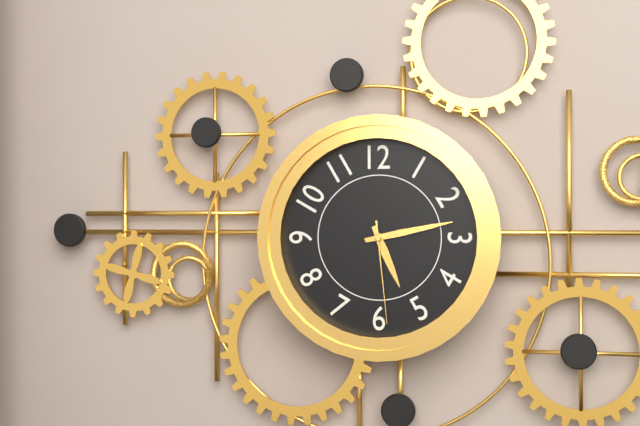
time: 5:13:29
